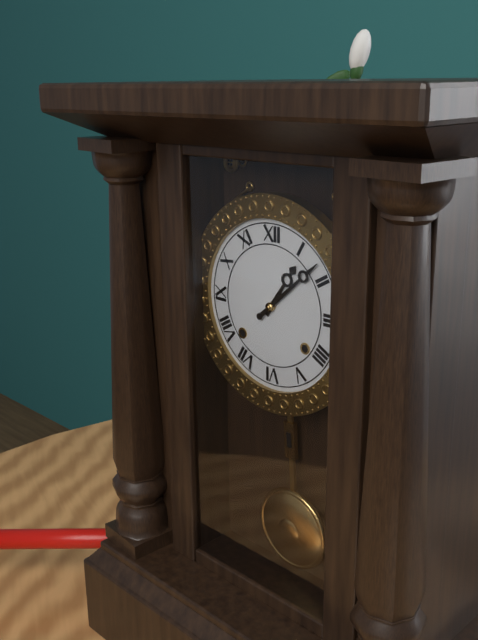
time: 1:08
